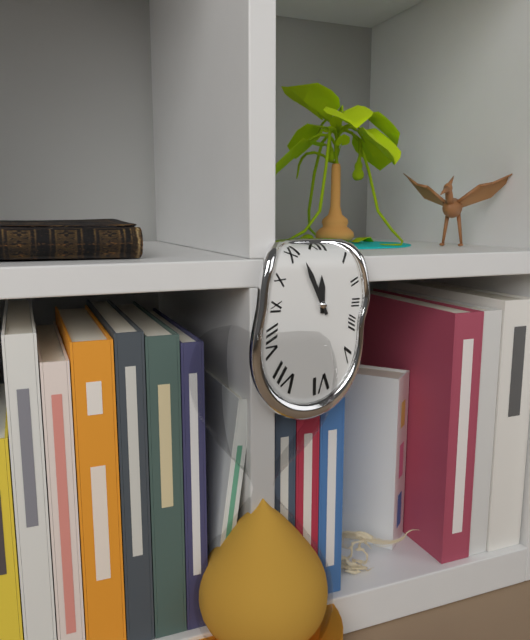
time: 11:56
